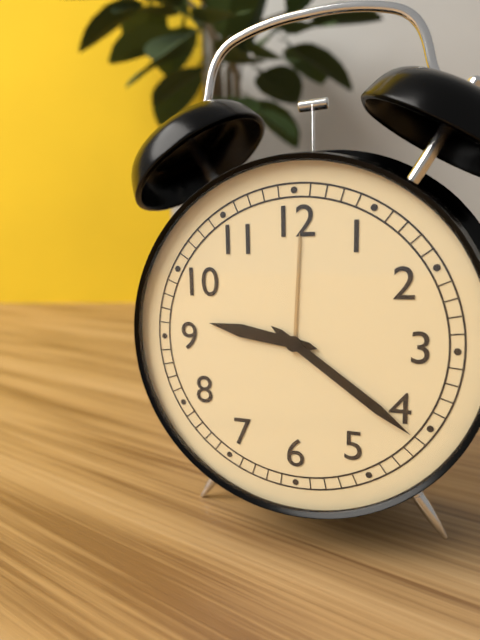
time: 9:21
